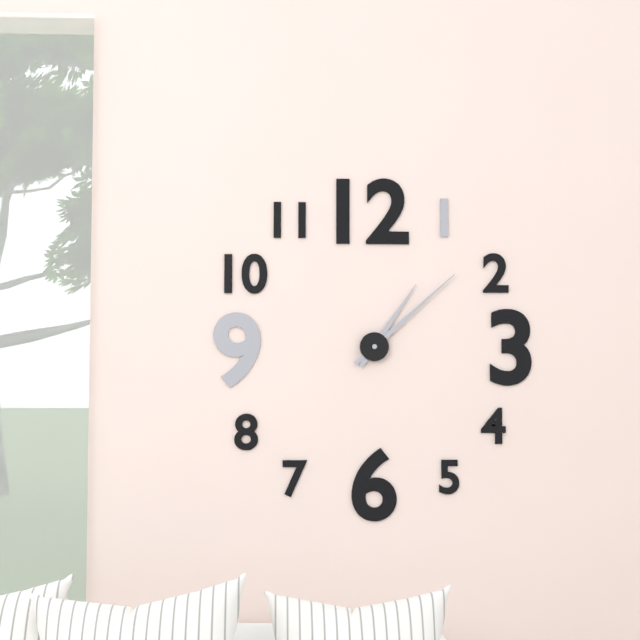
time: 1:08
